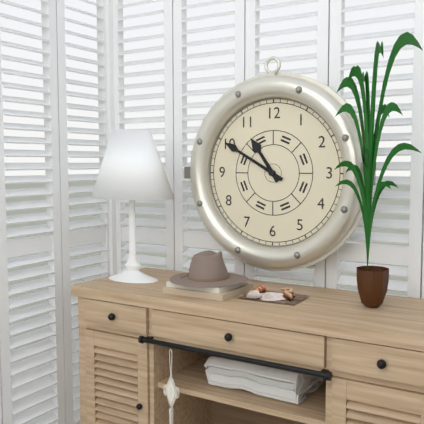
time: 10:50
